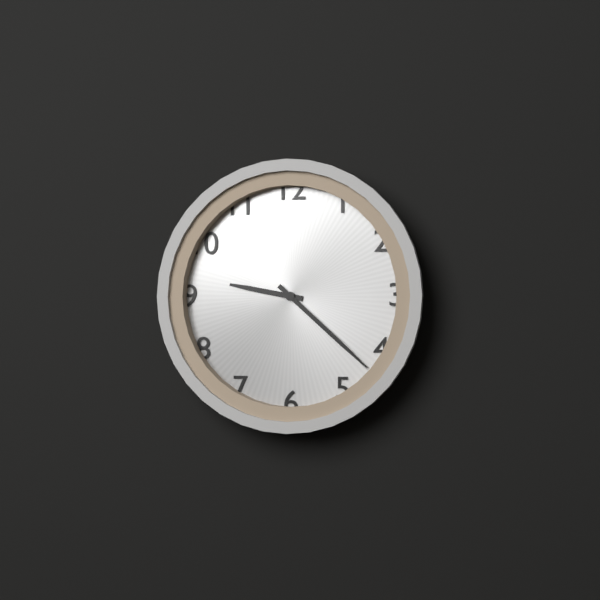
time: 9:22
